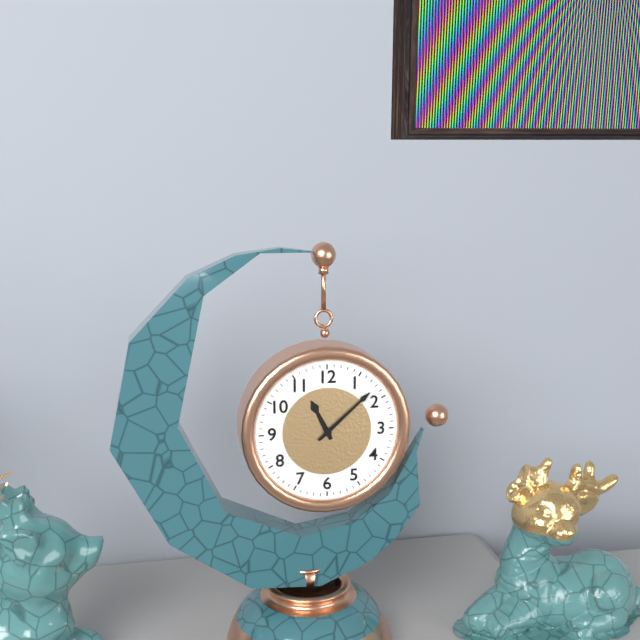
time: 11:08
